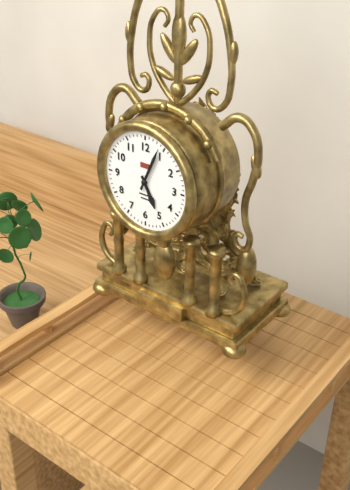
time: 5:04
